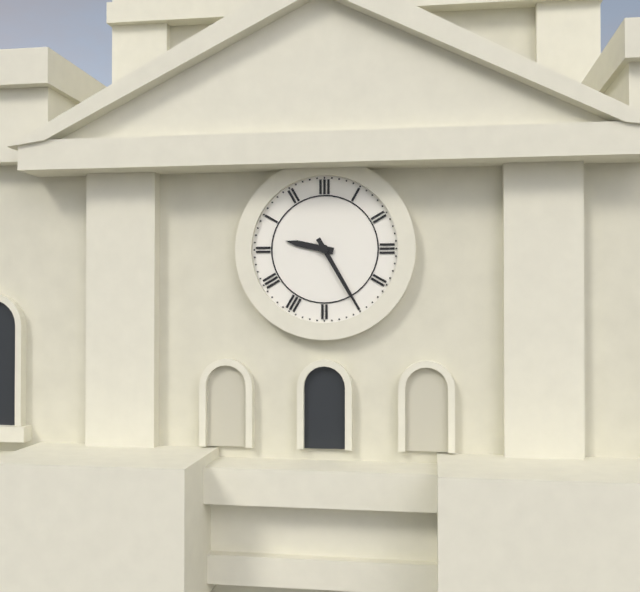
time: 9:25
